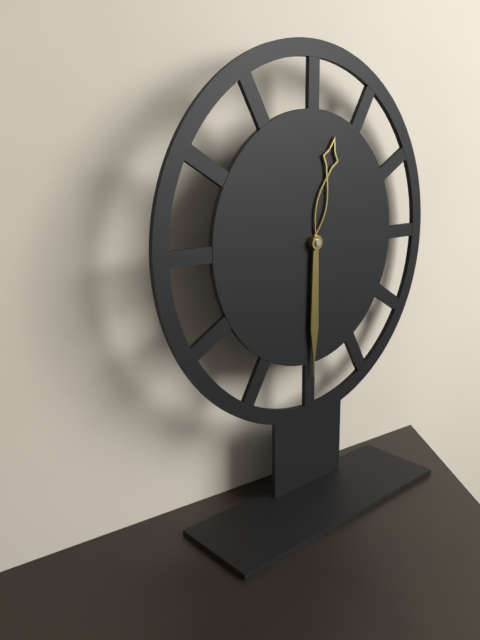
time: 12:30
